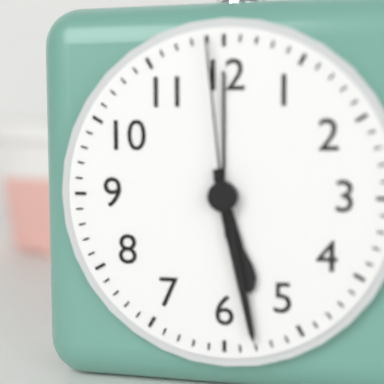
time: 5:28:59
